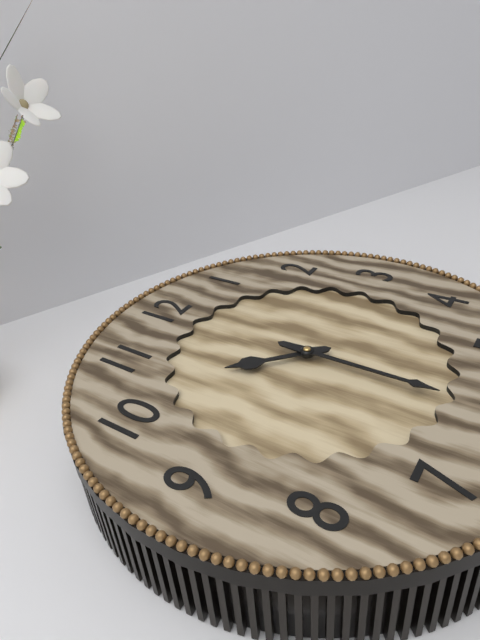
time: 10:30
